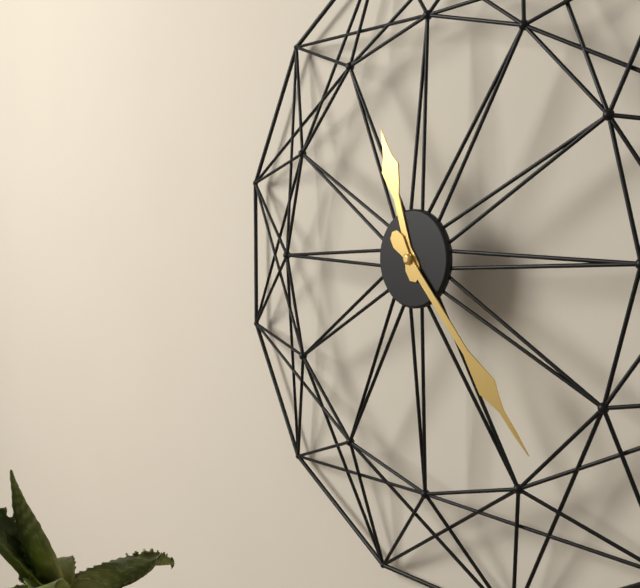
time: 11:23
